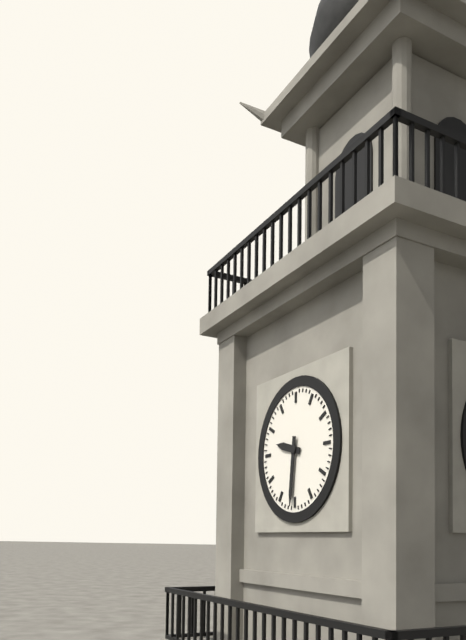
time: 9:31
